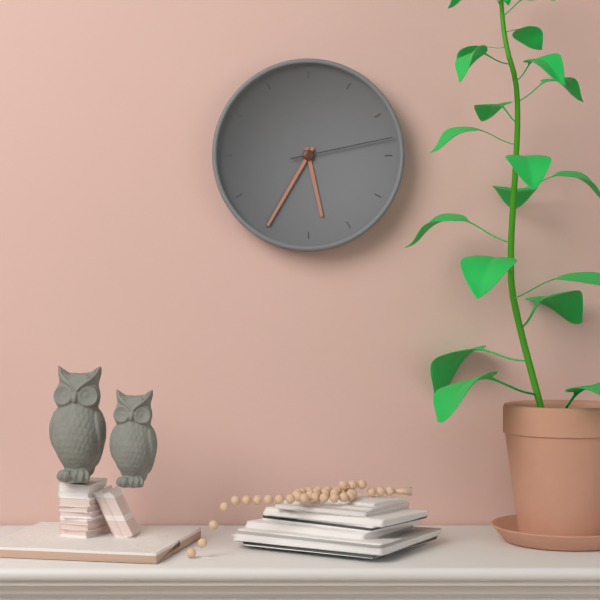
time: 5:35:13
